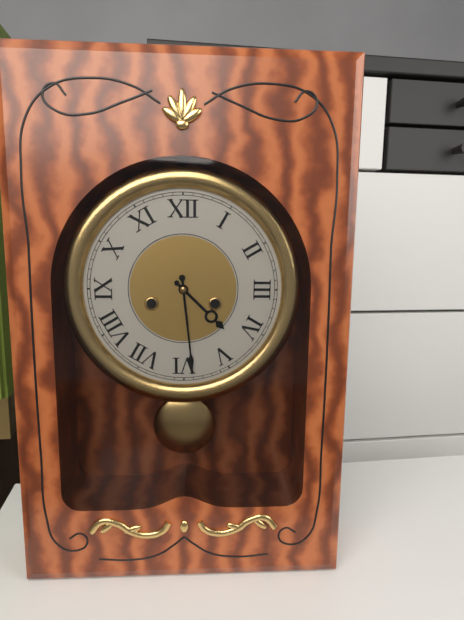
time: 4:29
